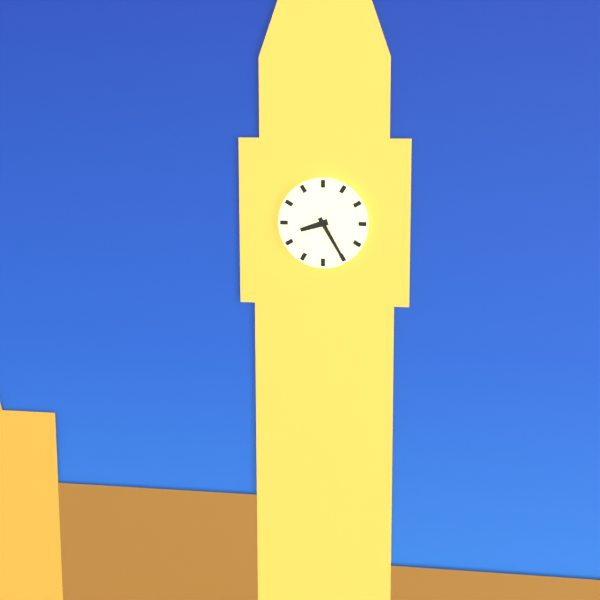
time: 8:25
